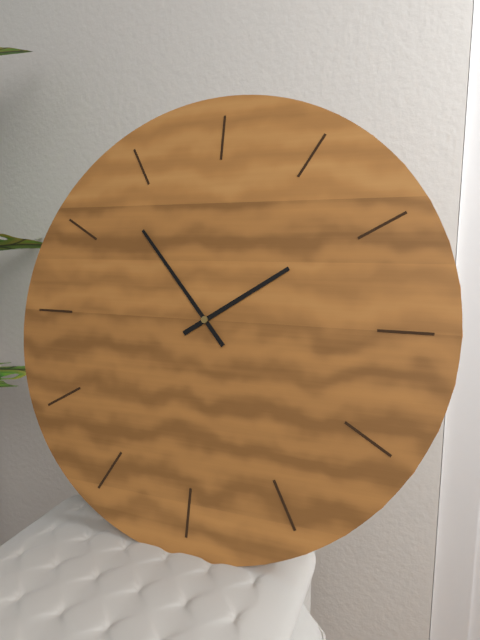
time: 1:53
